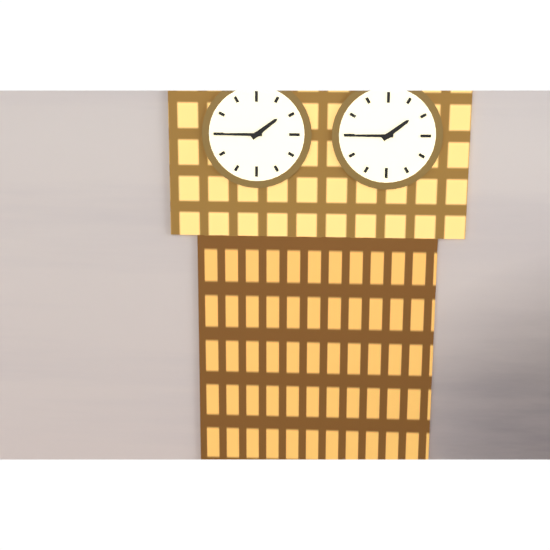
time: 1:45
